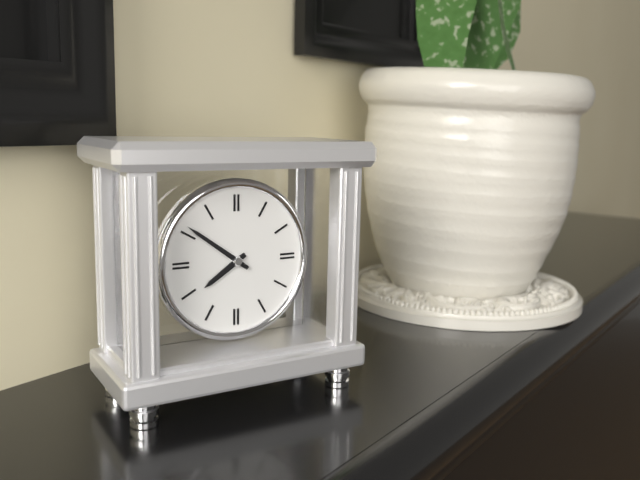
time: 7:51
